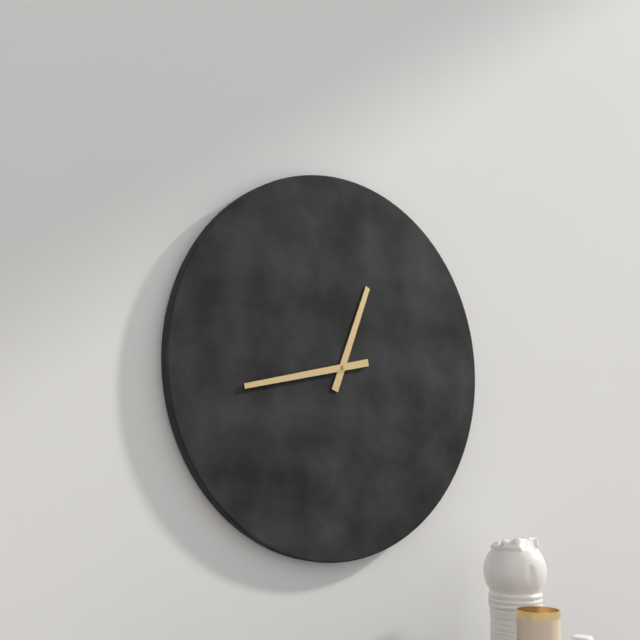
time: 12:43
